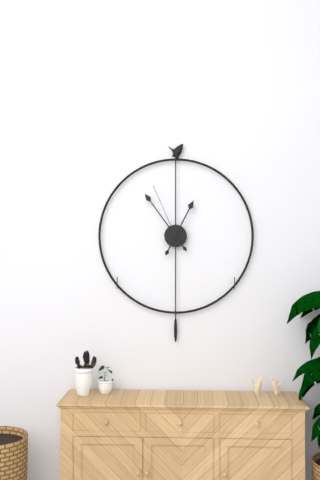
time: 12:54:56
